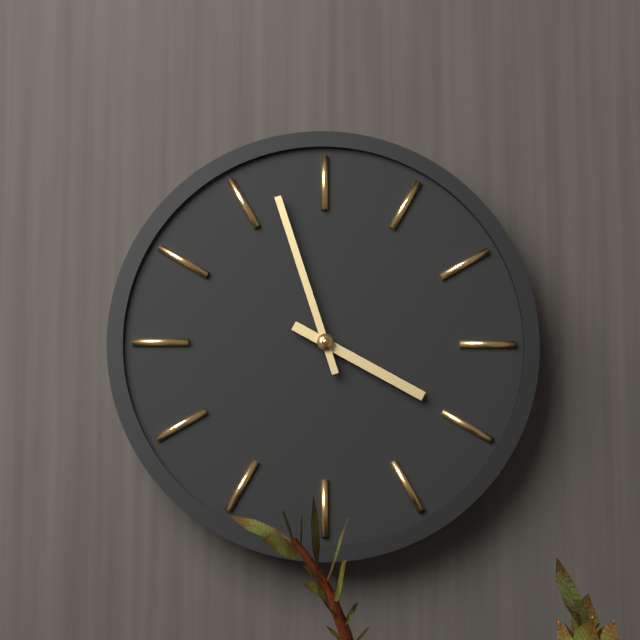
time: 3:57
